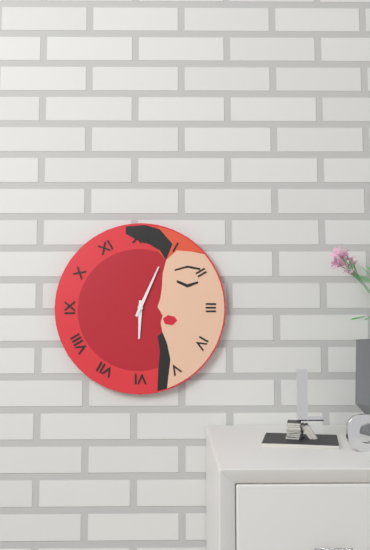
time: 6:04
